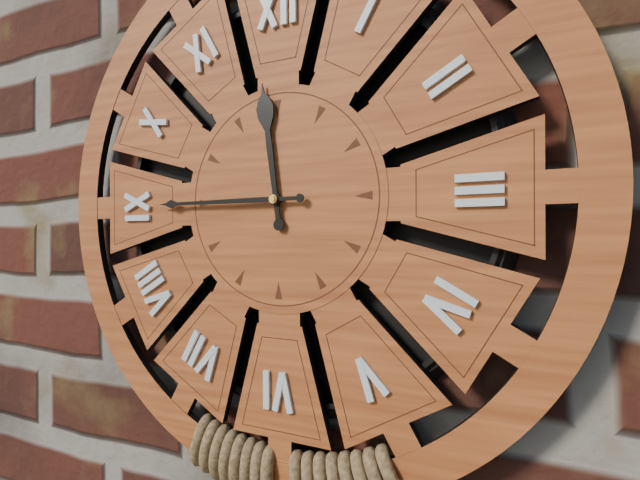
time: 11:45
